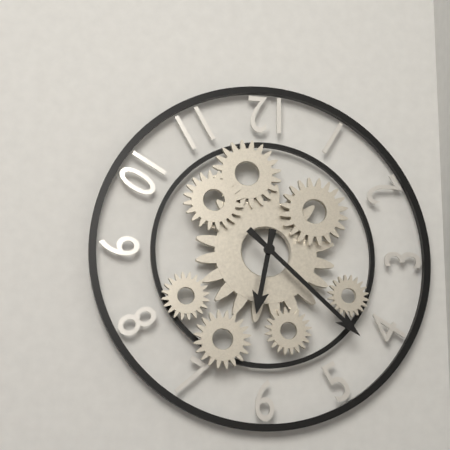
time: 6:22
